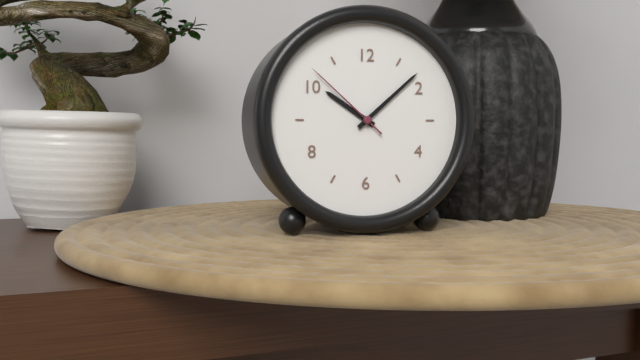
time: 10:08:52
